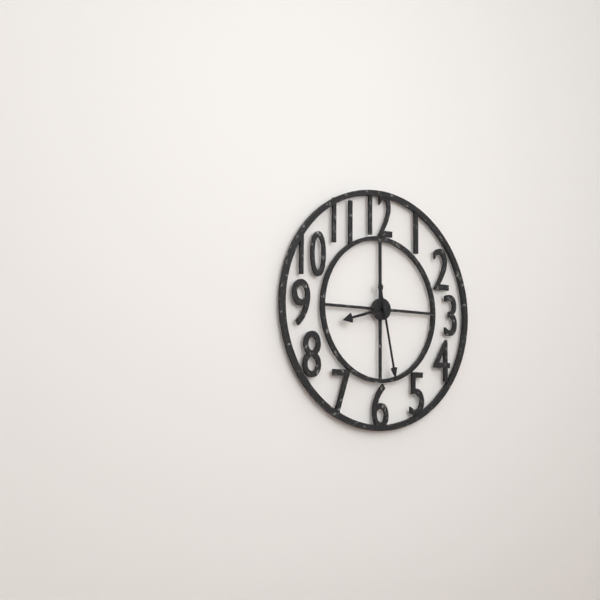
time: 8:28
